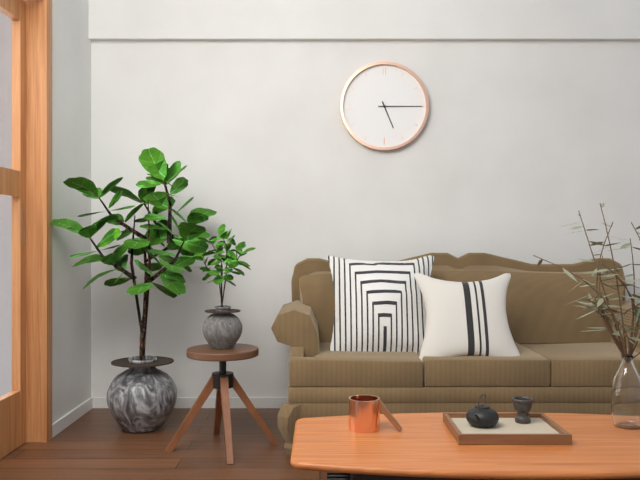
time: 5:15
